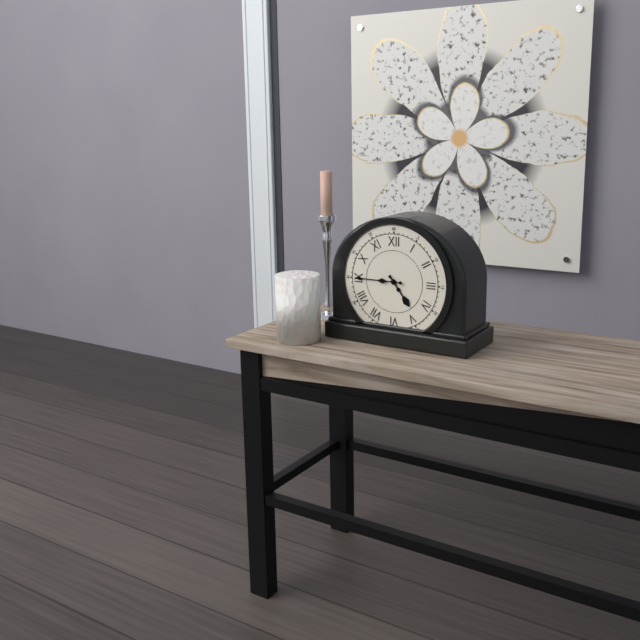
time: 4:45
